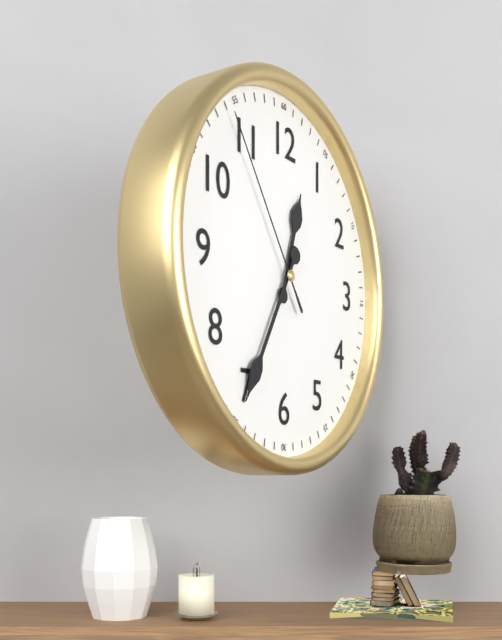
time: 12:35:54
